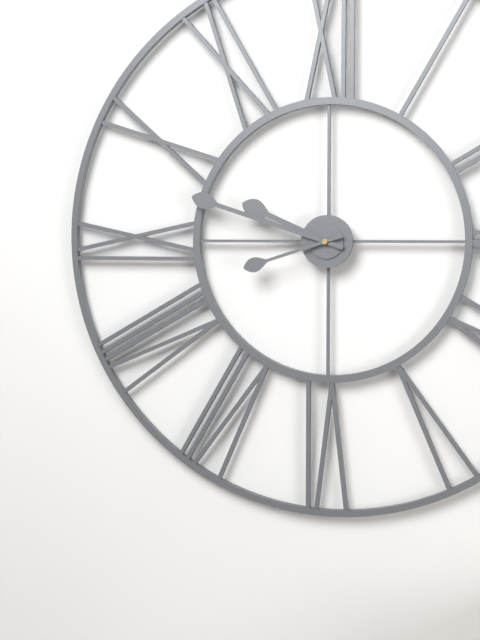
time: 9:48:42
